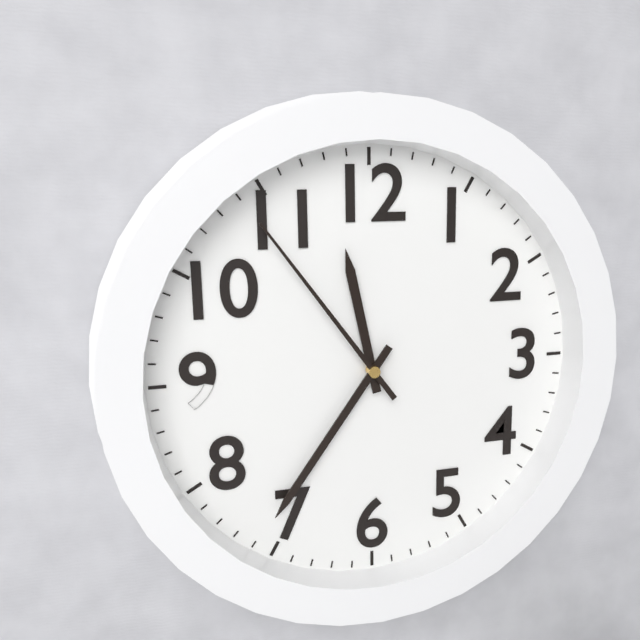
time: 11:36:54
